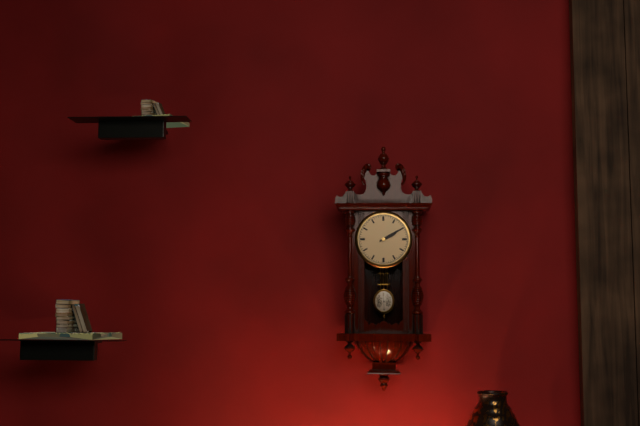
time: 2:10
